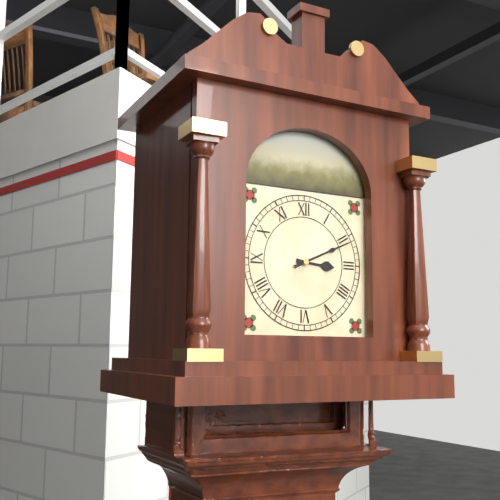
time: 3:11
